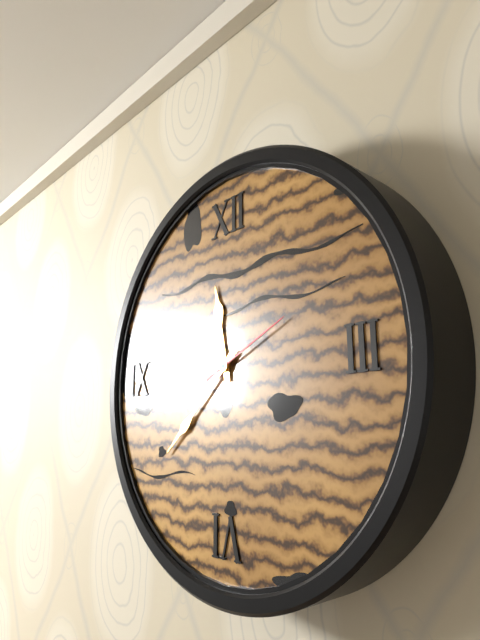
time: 11:38:11
